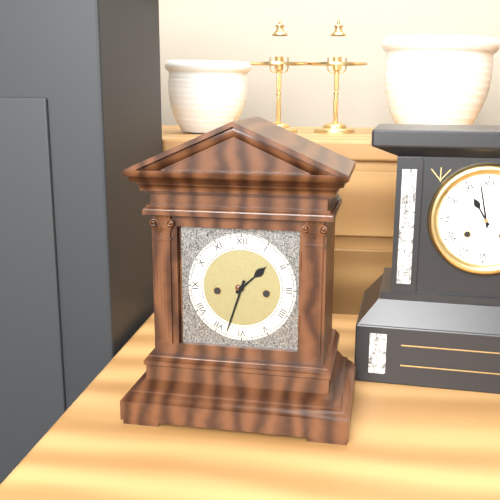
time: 1:33
